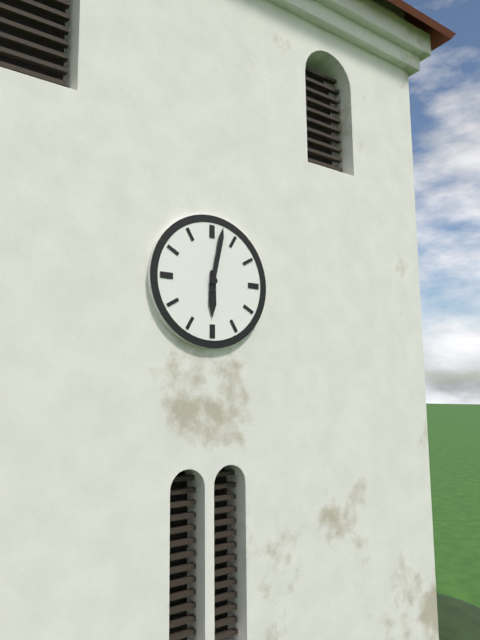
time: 6:02
